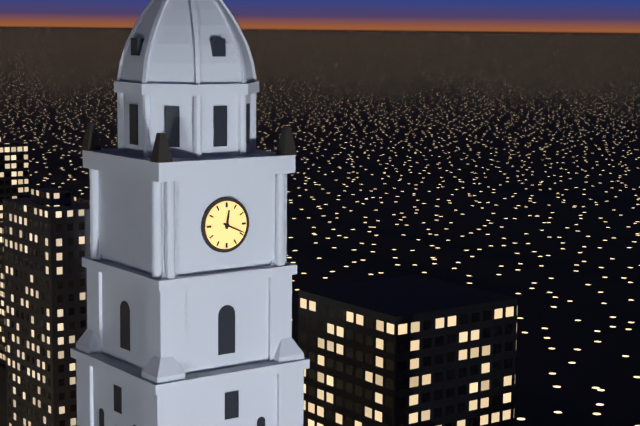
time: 12:19
